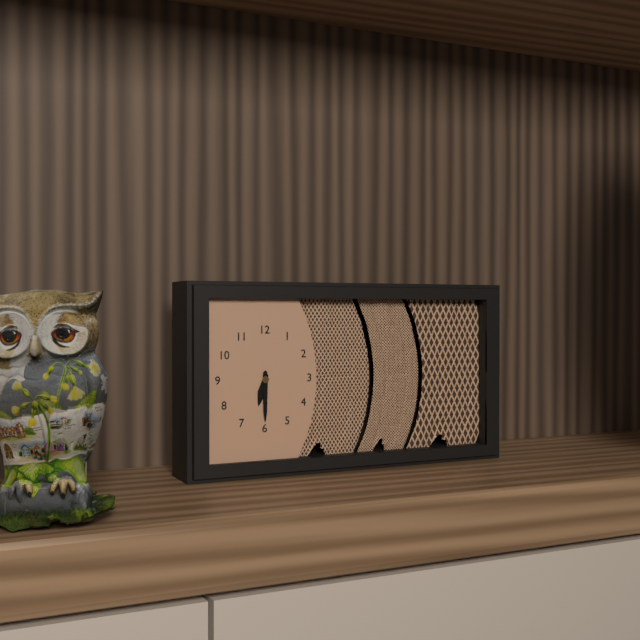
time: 6:30
